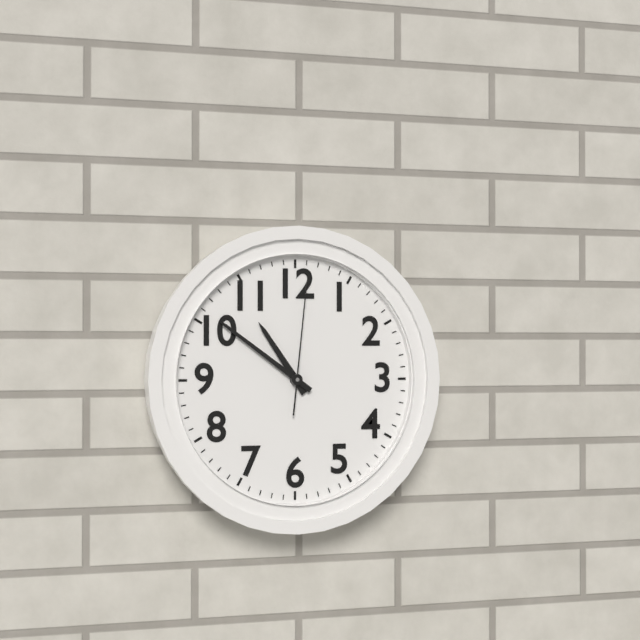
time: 10:51:01
